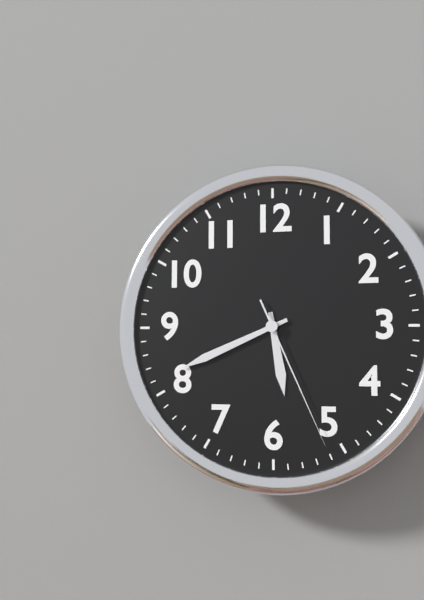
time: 5:41:26
